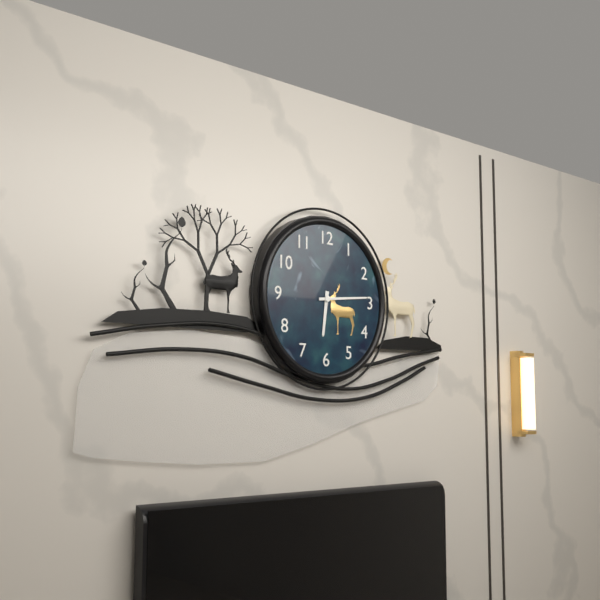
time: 6:14
